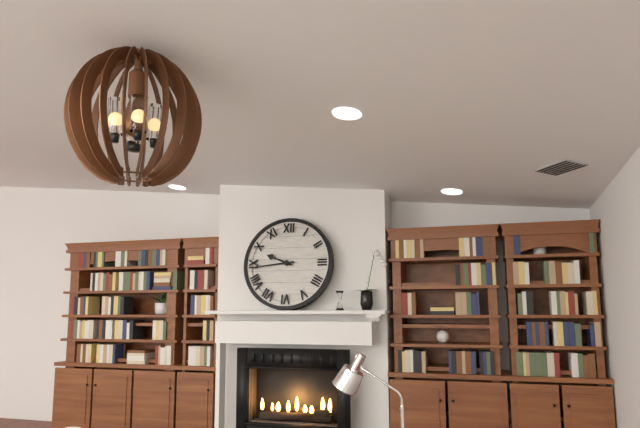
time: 9:44
